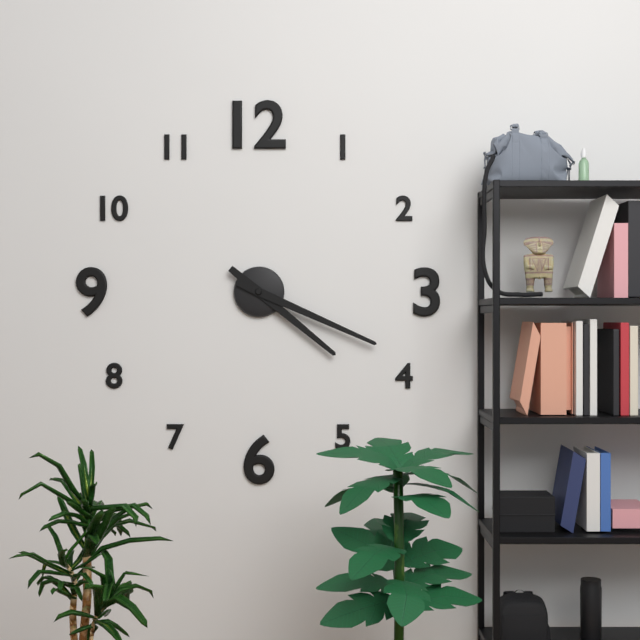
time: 4:19
